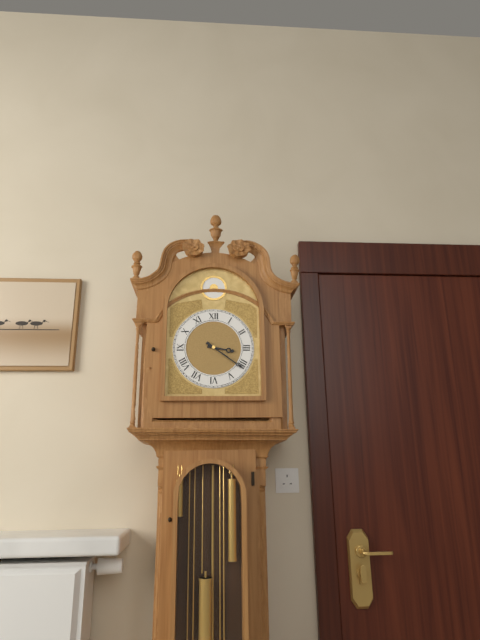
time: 3:21
